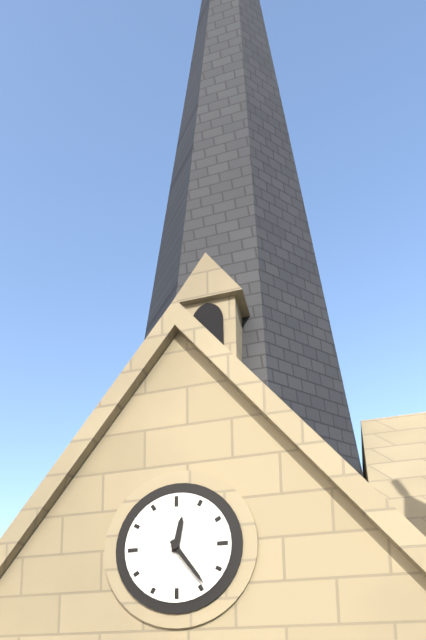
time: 12:24
